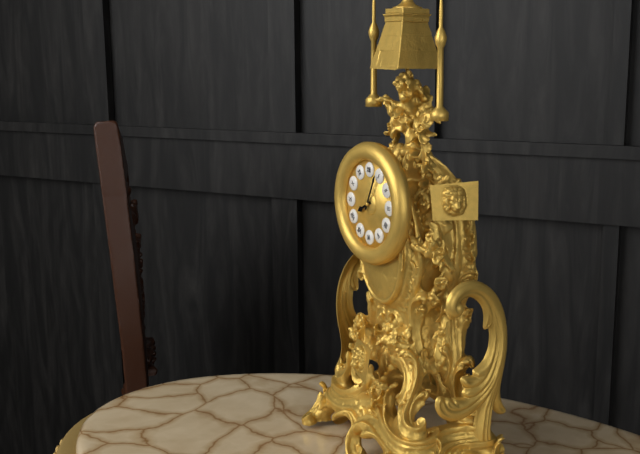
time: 8:04
